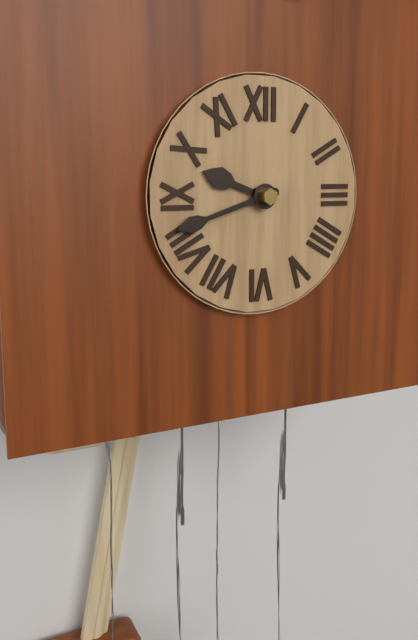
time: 9:42
